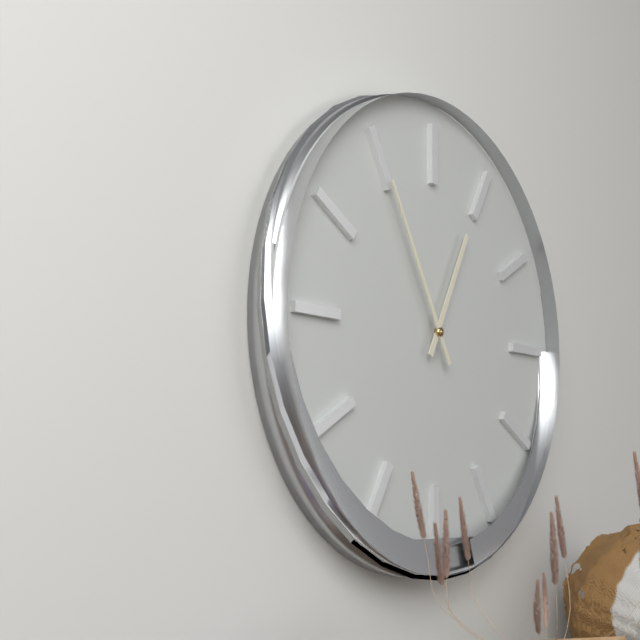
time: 12:55
